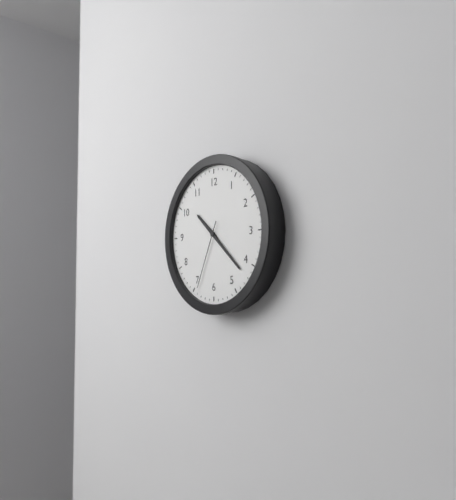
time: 10:22:34
